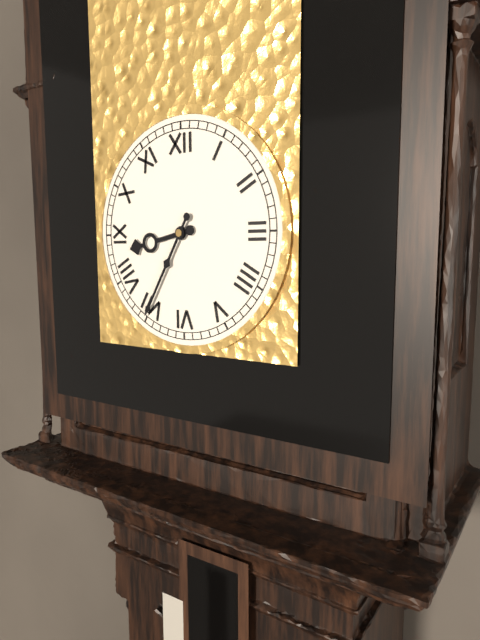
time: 8:35
